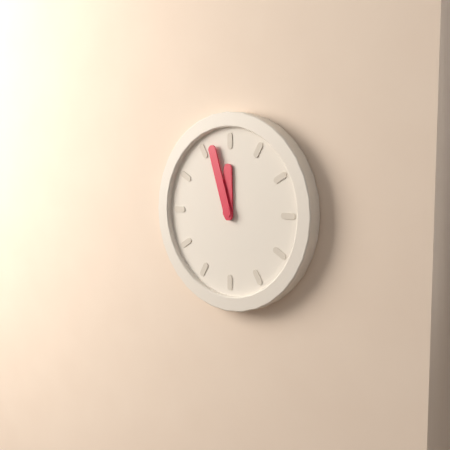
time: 11:57
